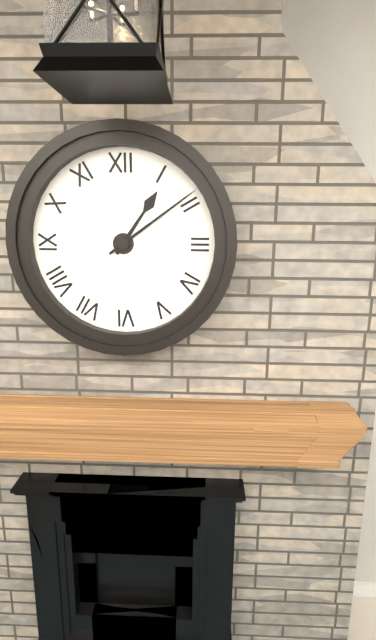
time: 1:09
